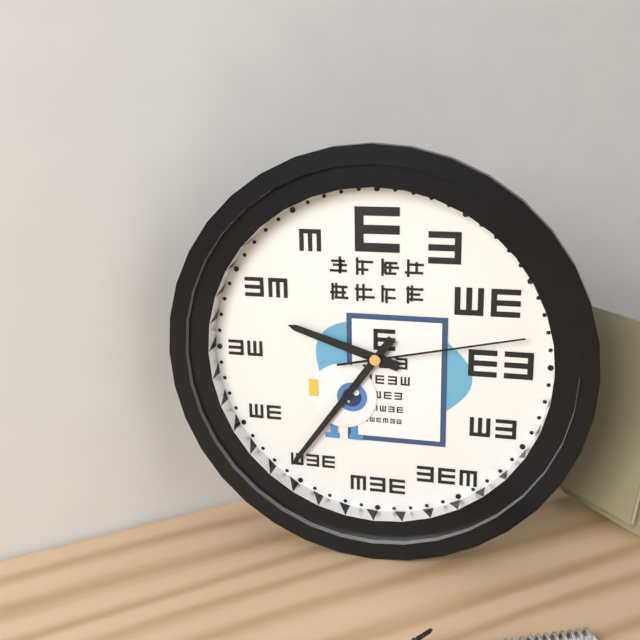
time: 9:36:13
